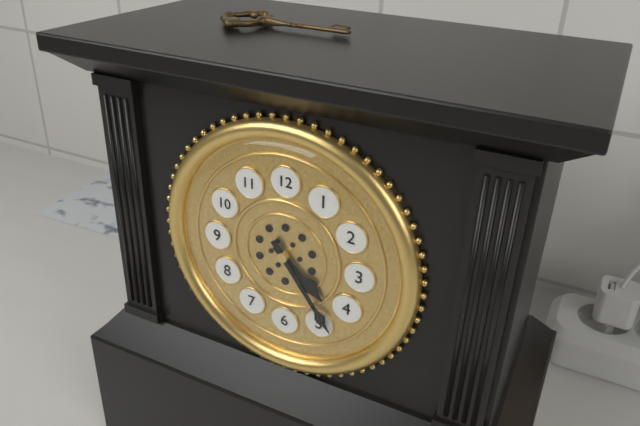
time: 4:24
